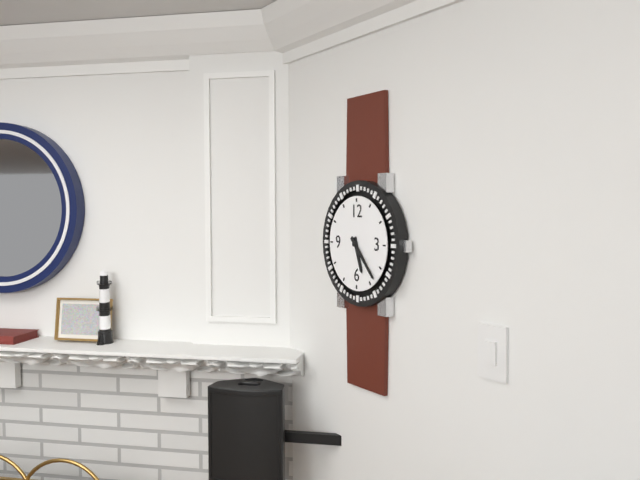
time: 5:23
